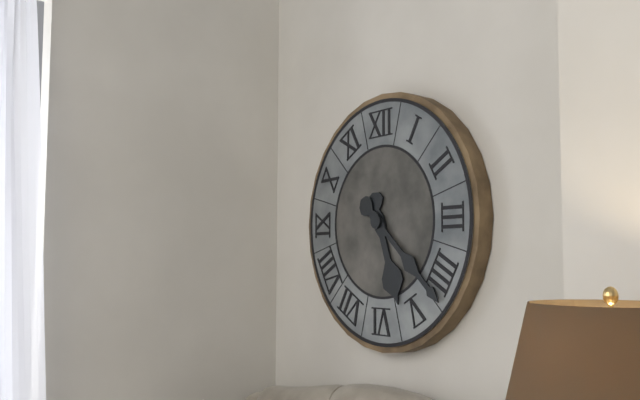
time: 5:22
